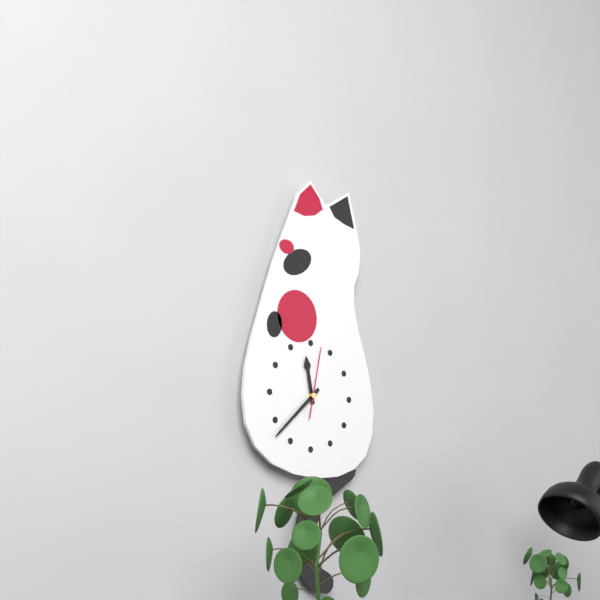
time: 11:38:02
